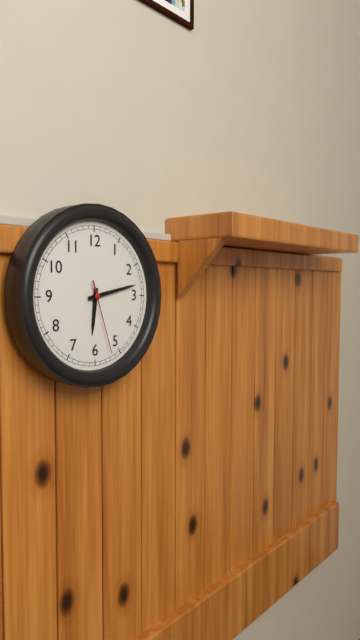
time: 6:13:27
